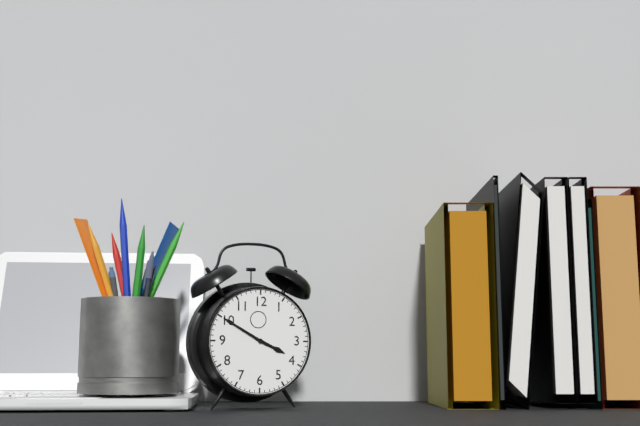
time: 3:50
